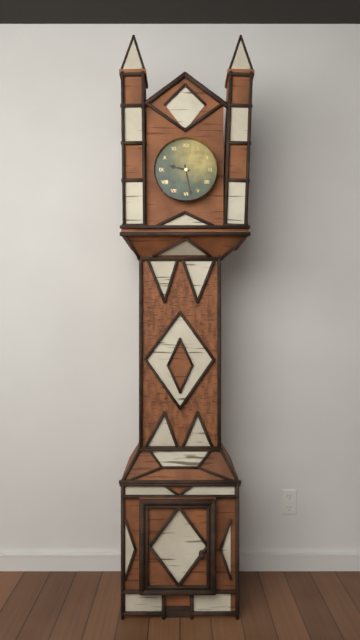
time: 9:28
